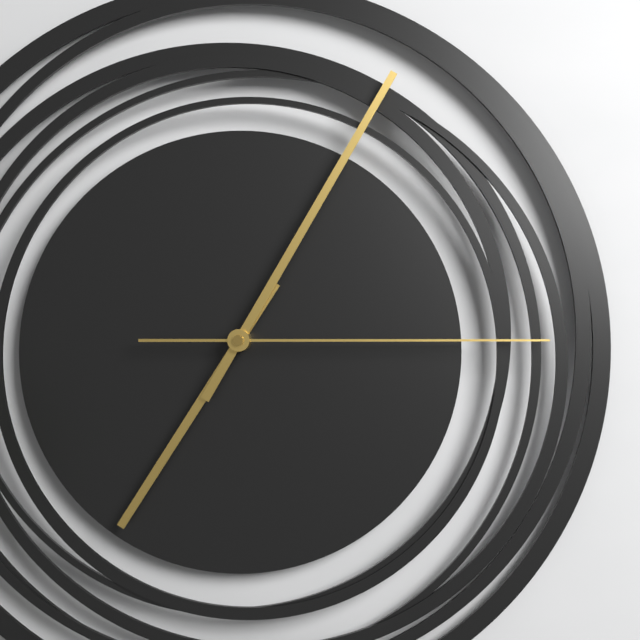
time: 7:05:15
